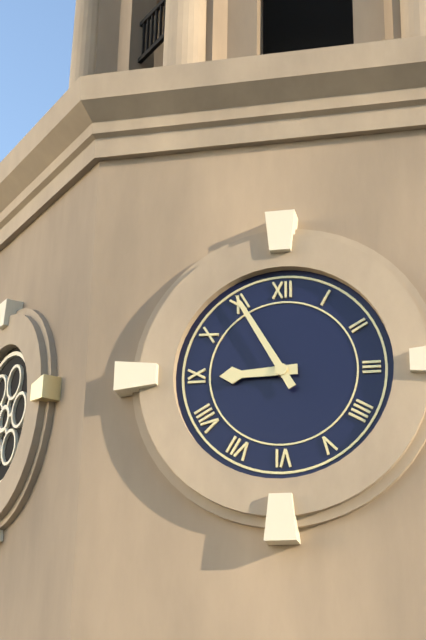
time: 8:55
